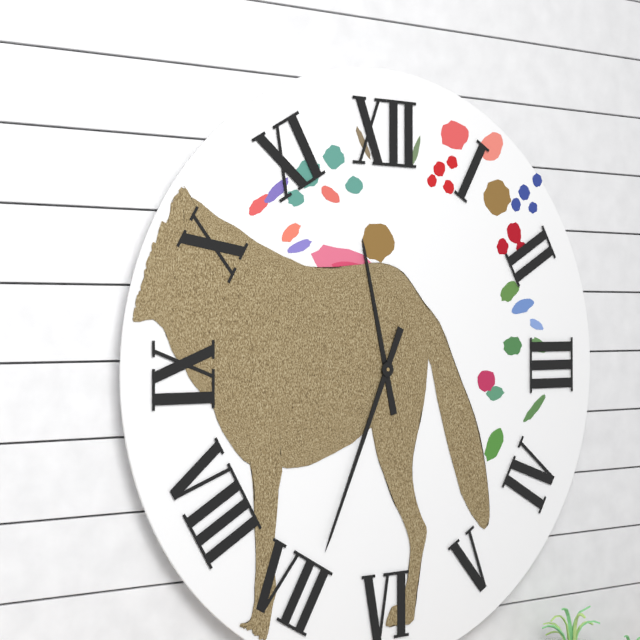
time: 11:34
